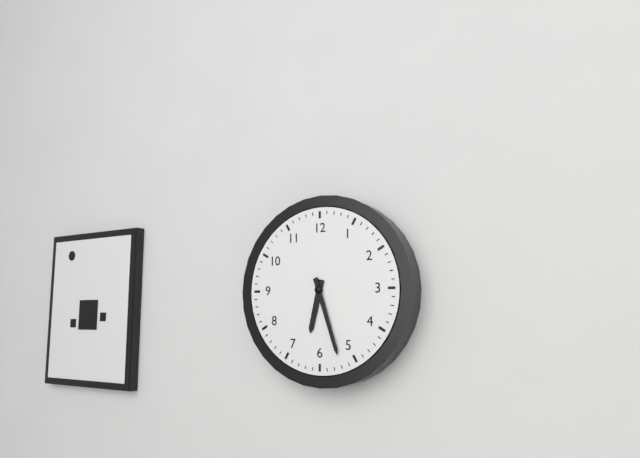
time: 6:27
